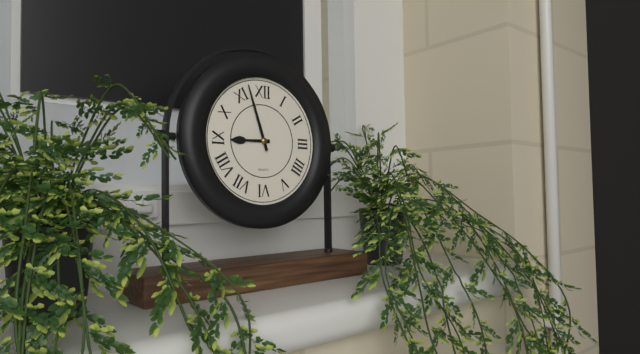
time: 8:57
